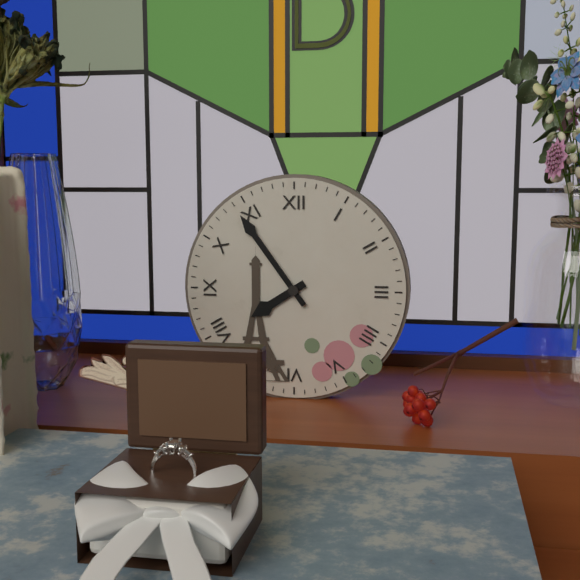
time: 7:54
